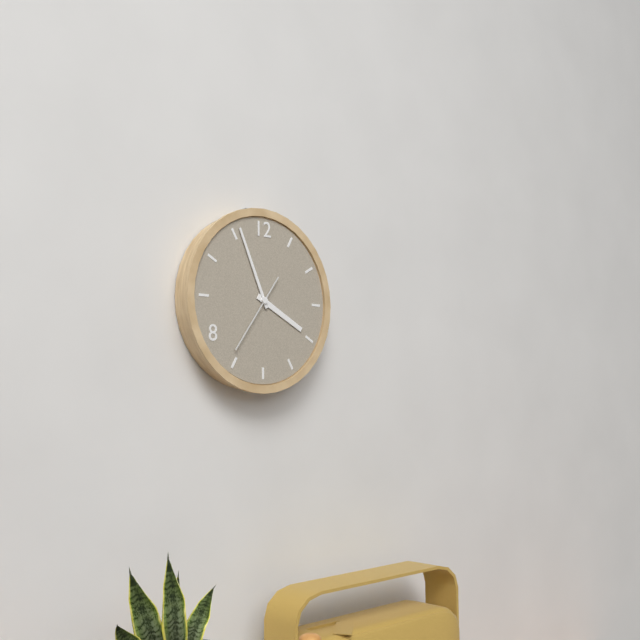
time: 3:56:36
